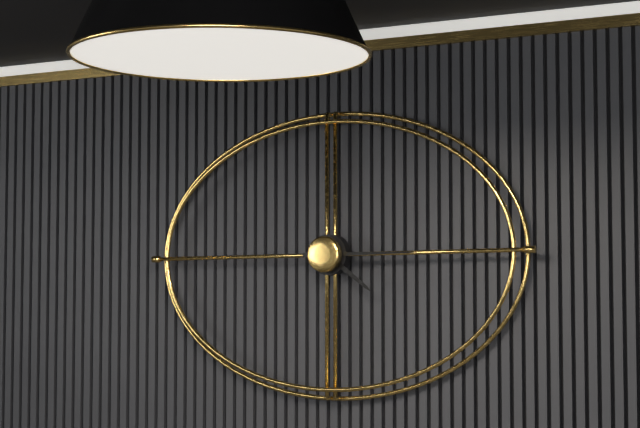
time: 4:15
